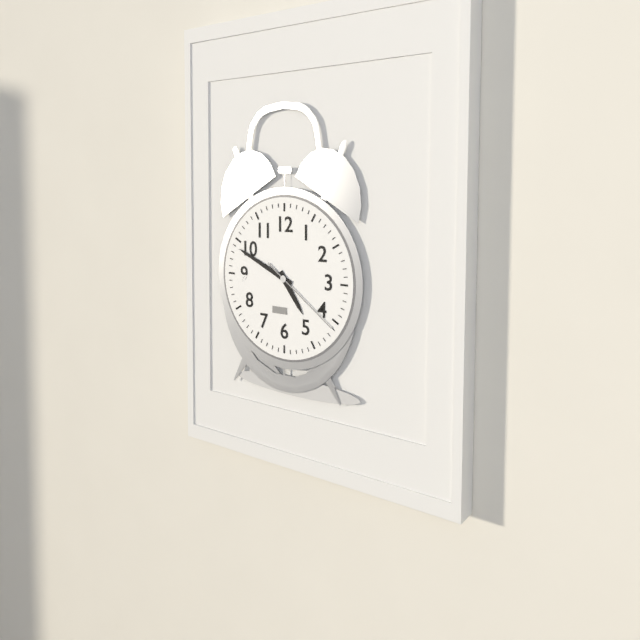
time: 4:49:21
